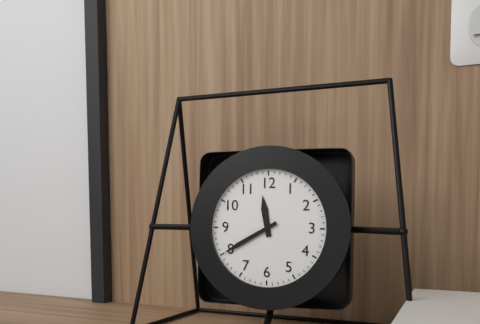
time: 11:40
